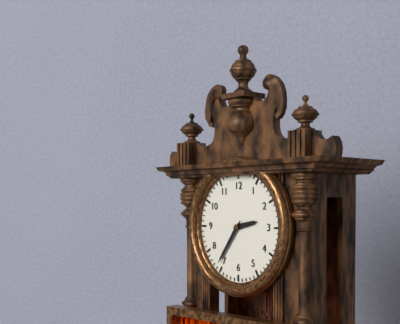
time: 2:36
